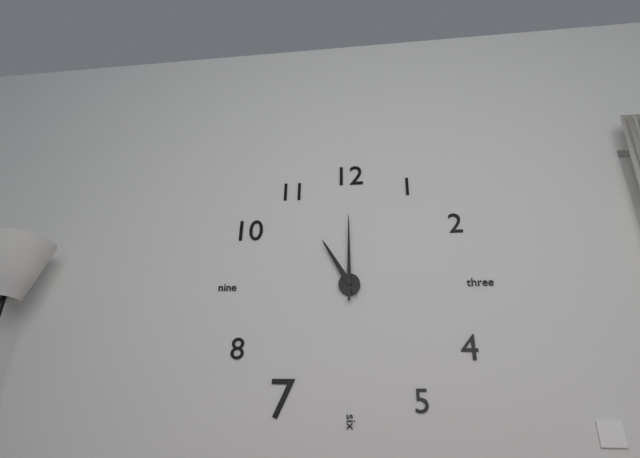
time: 11:00
